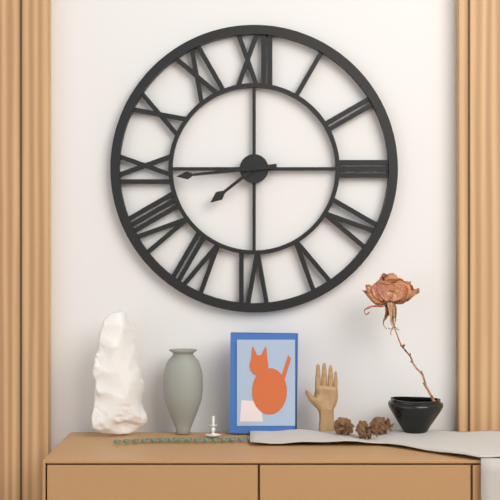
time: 7:44
